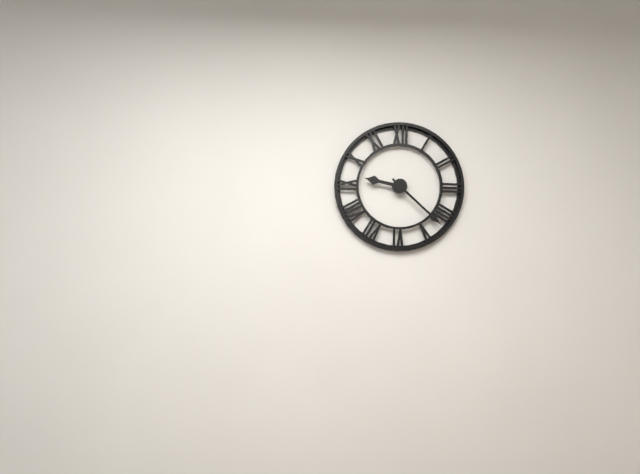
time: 9:22
